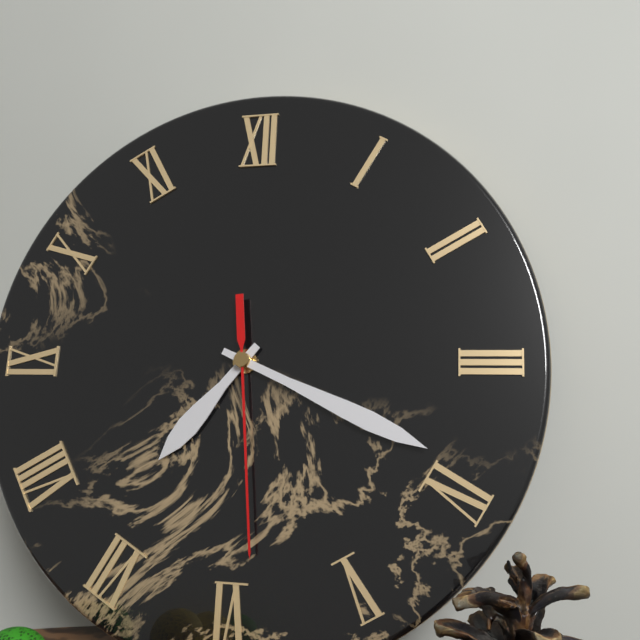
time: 7:19:29
